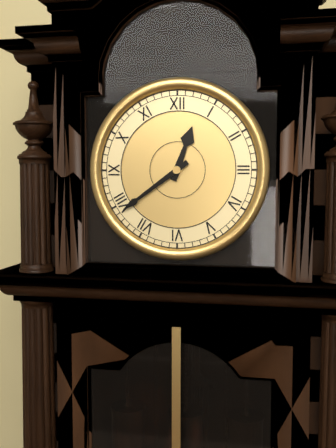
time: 12:39
